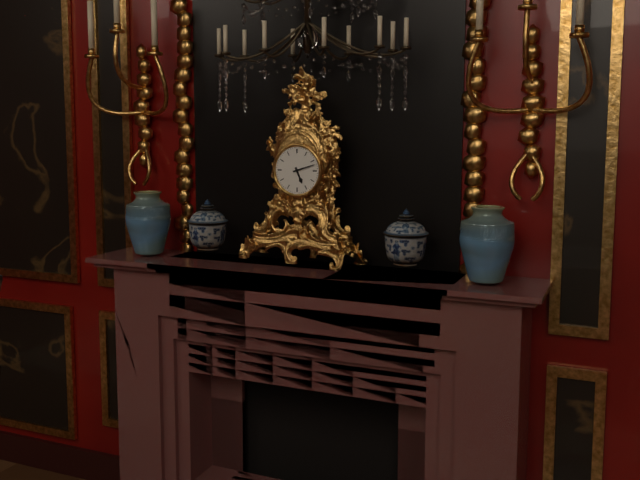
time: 5:12
